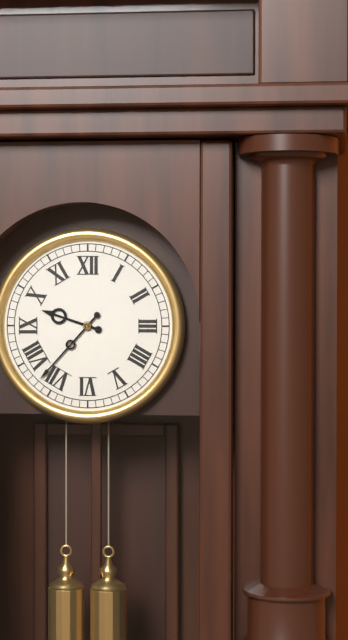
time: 9:37
